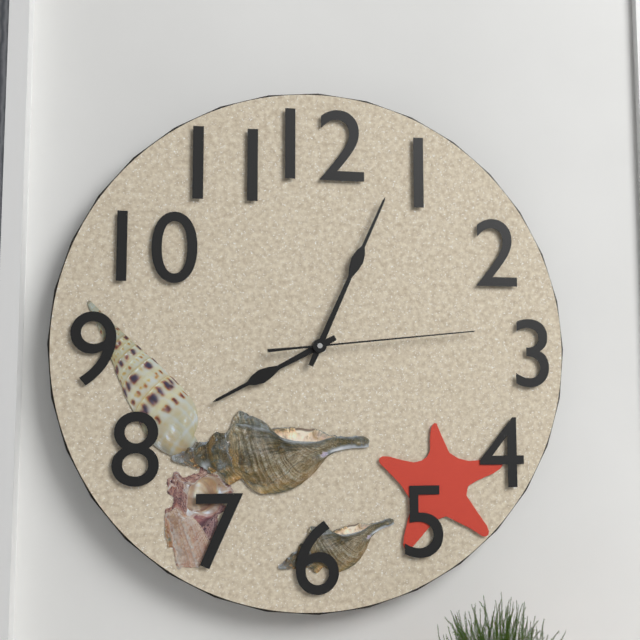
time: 8:04:14
